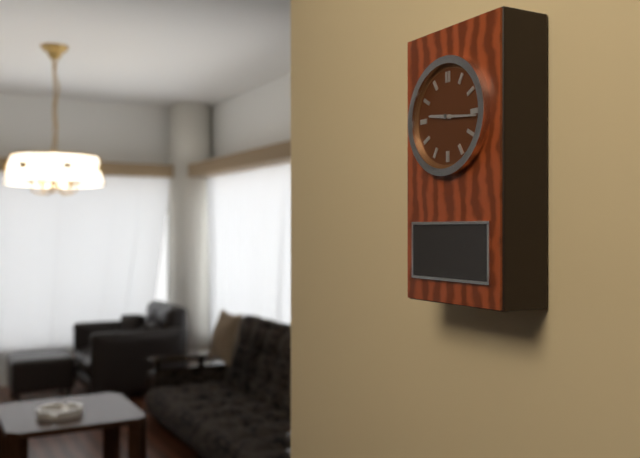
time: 9:16
